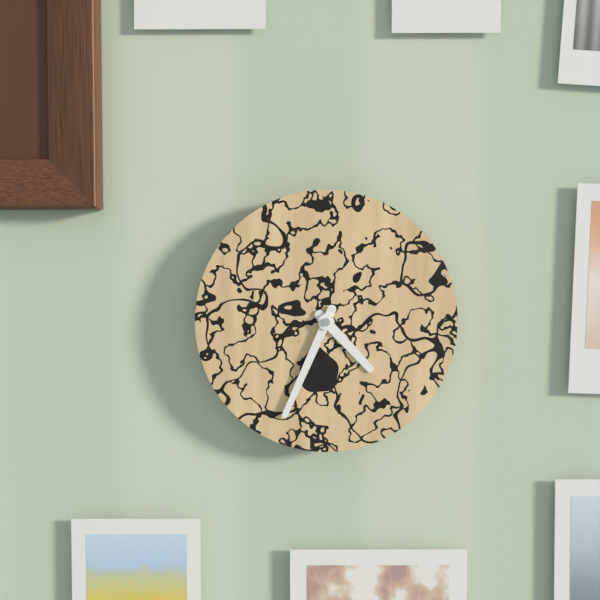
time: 4:34
